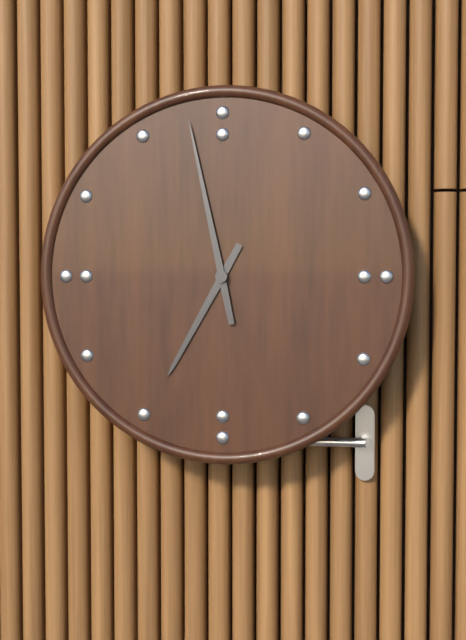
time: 6:58
